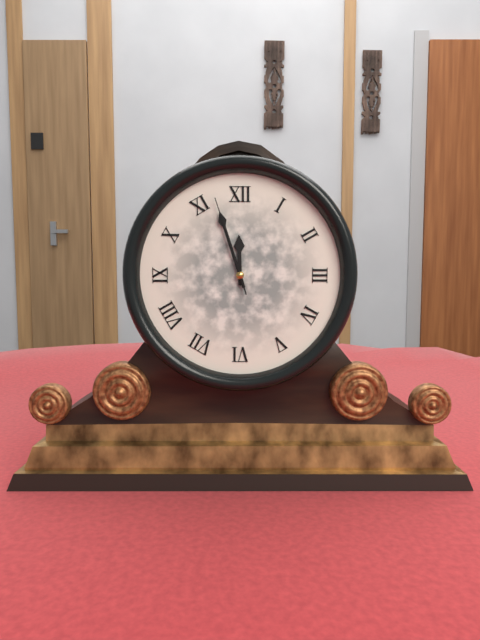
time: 11:57:57
